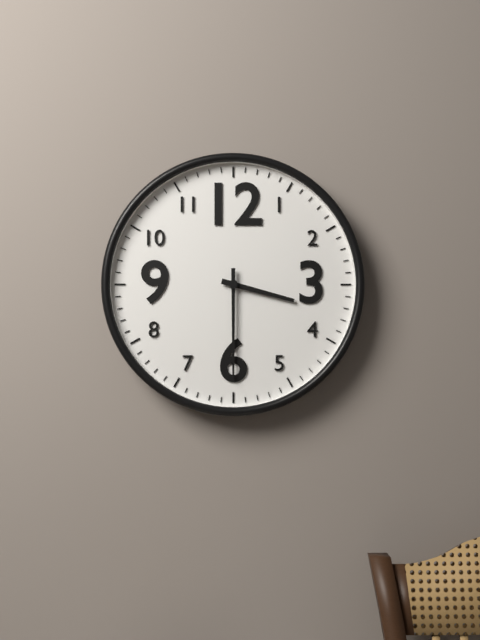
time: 3:30
